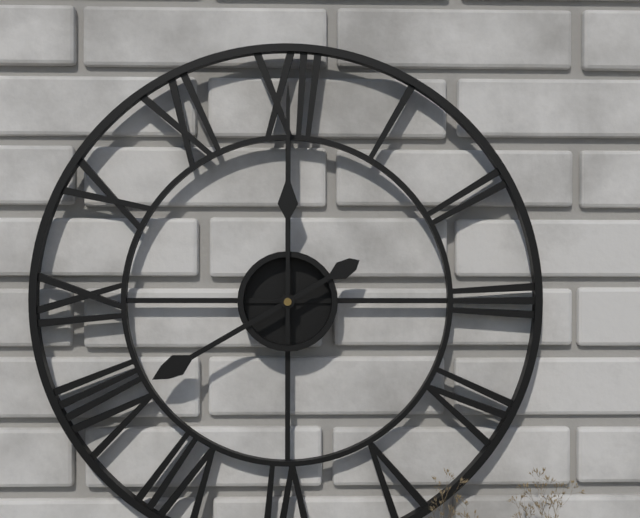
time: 8:00
